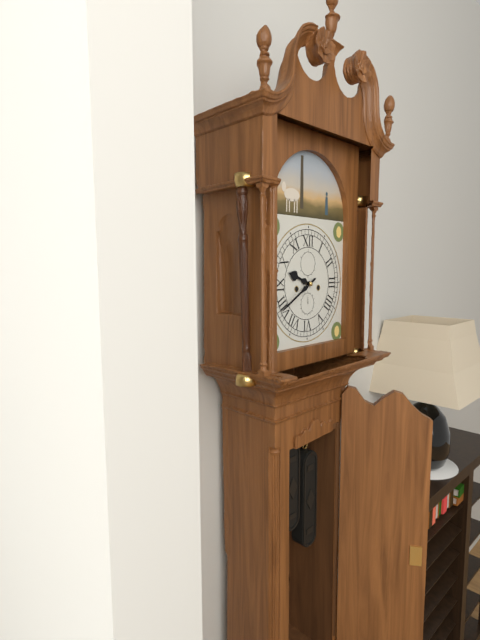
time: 9:40
